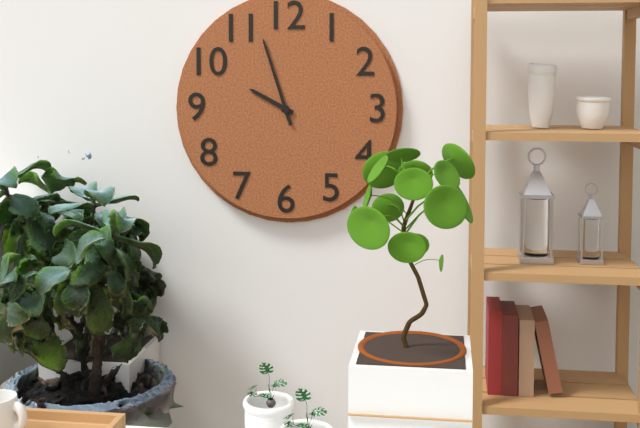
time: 9:57
